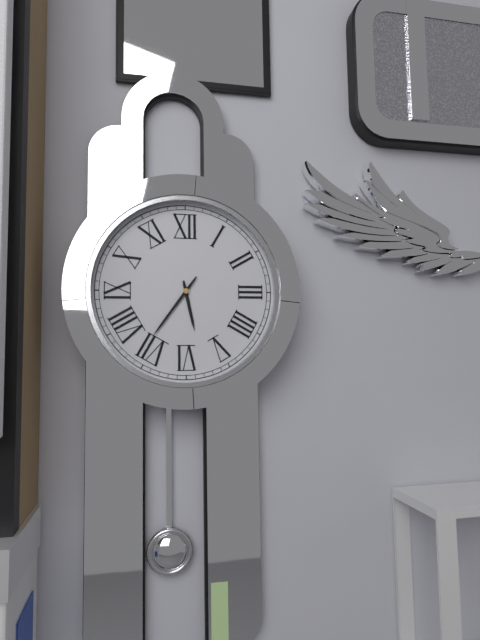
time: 5:36
